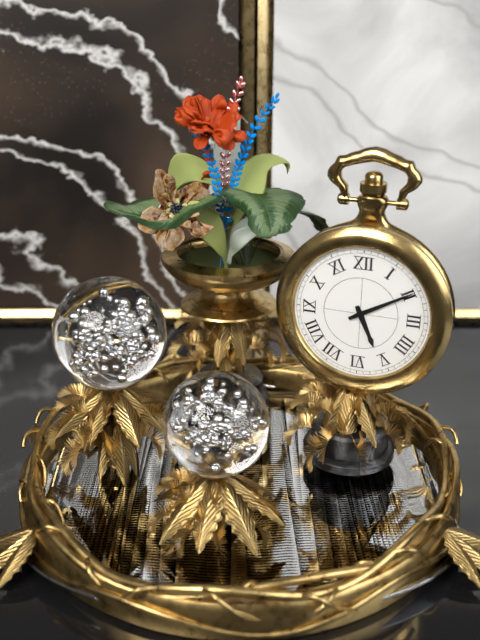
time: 5:10
